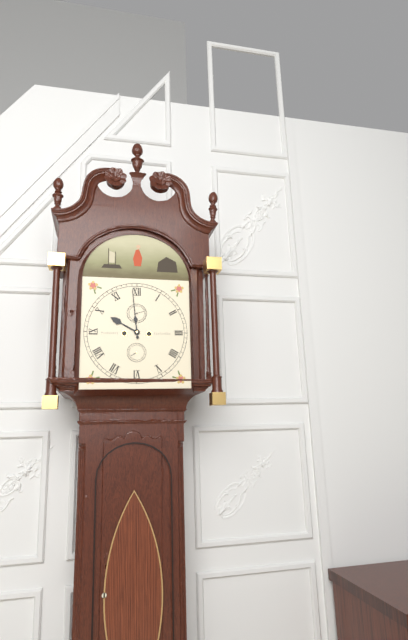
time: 9:59
